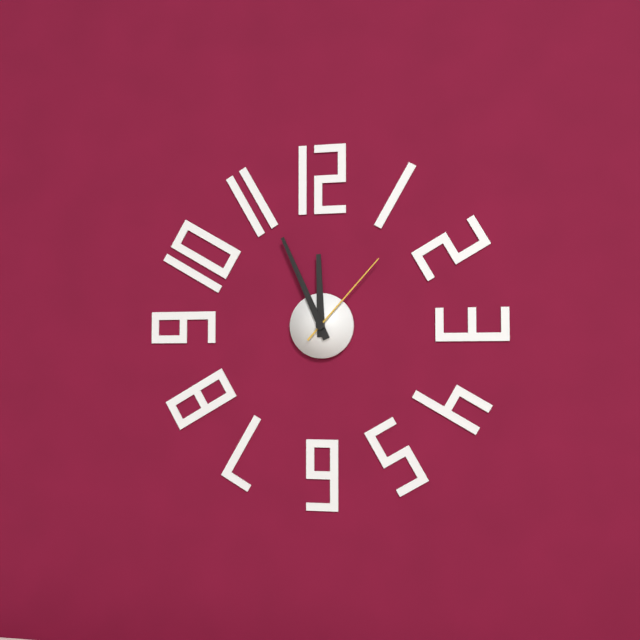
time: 11:56:07
